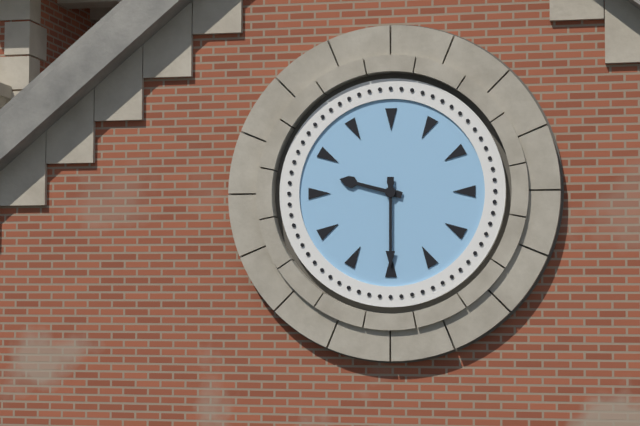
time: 9:30
